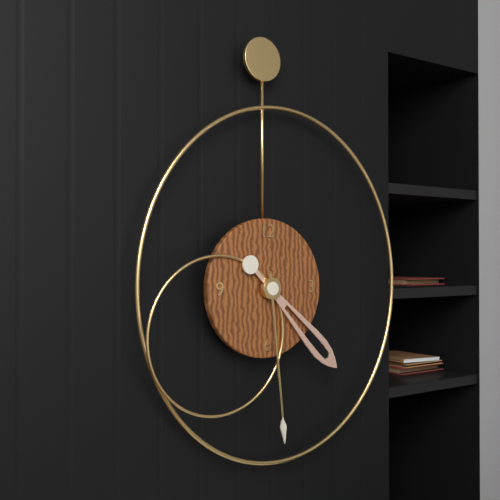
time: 4:29
